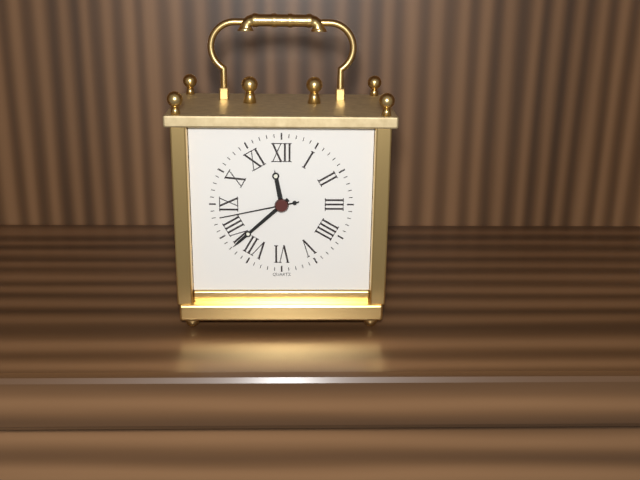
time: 11:38:43
